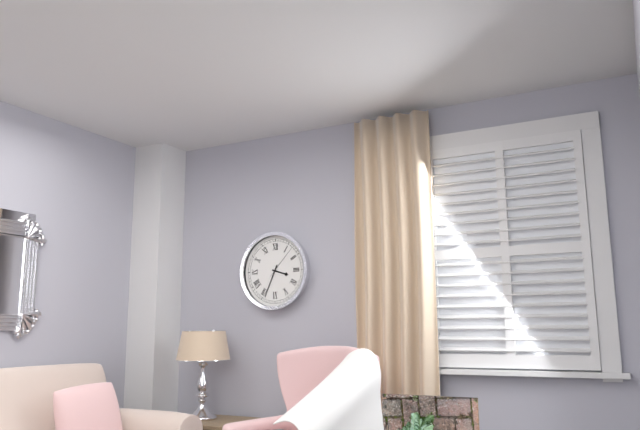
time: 3:34
